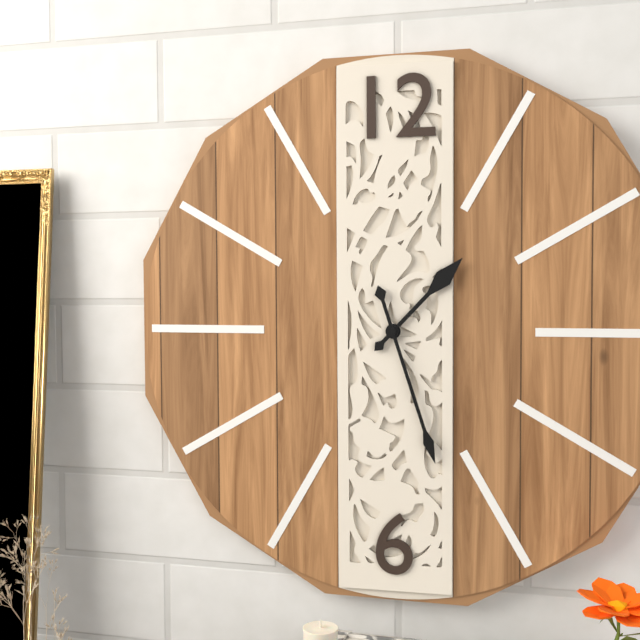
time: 1:27
